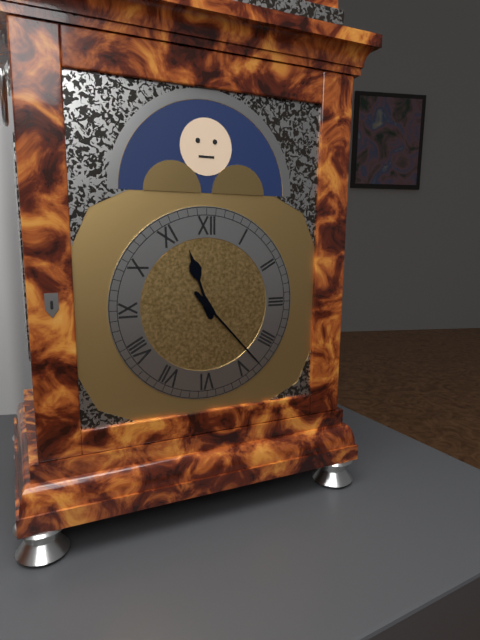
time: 11:23
